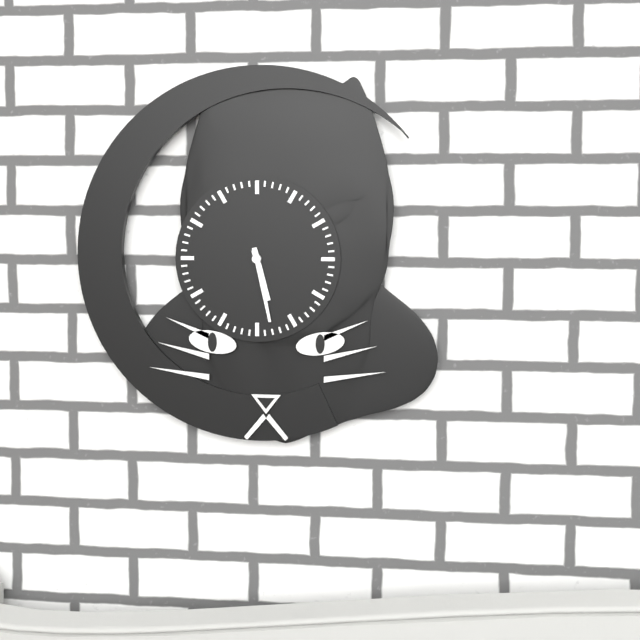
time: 5:28
